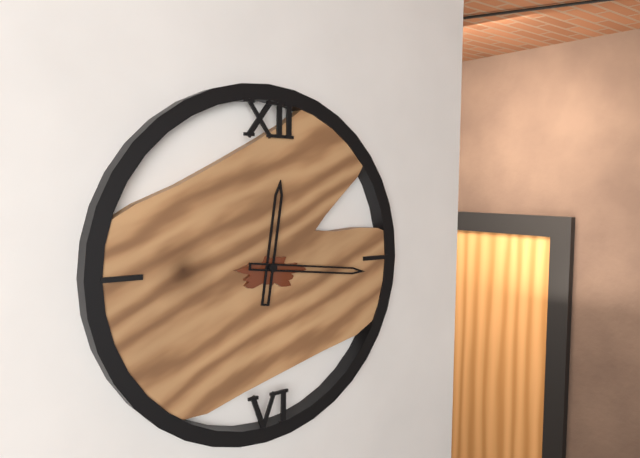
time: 12:16
